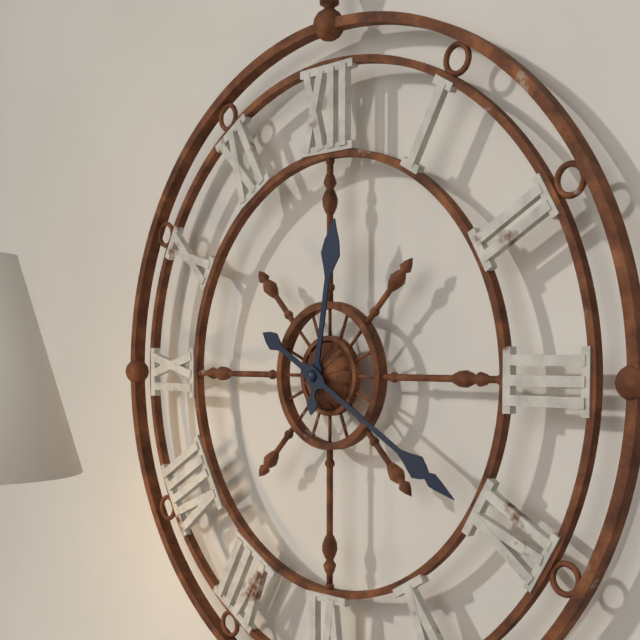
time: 12:20
